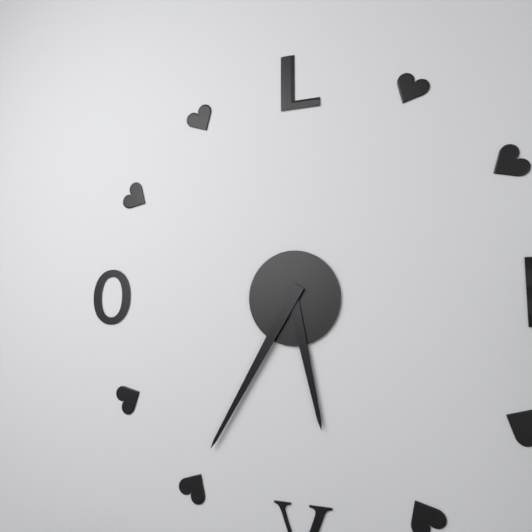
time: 5:35
